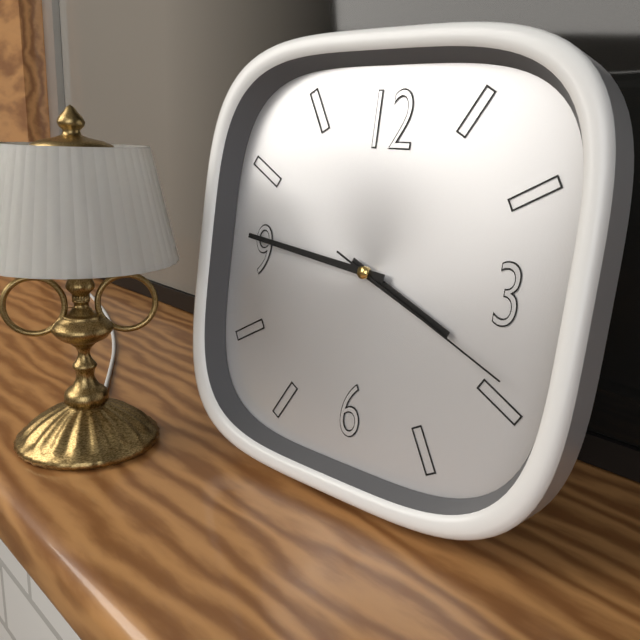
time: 3:46:19
